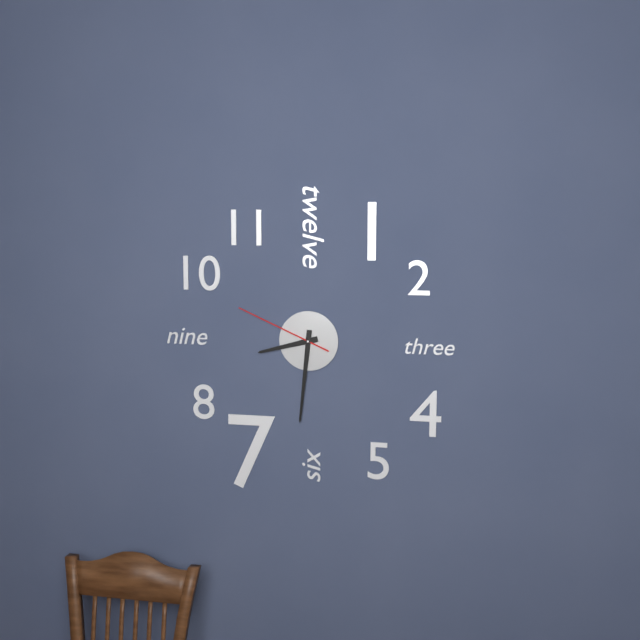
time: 8:31:49
